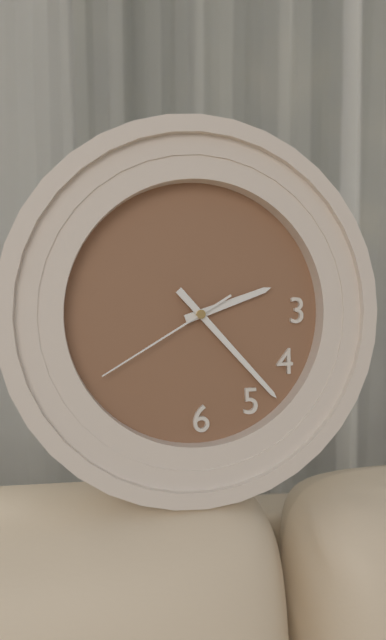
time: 2:23:40
